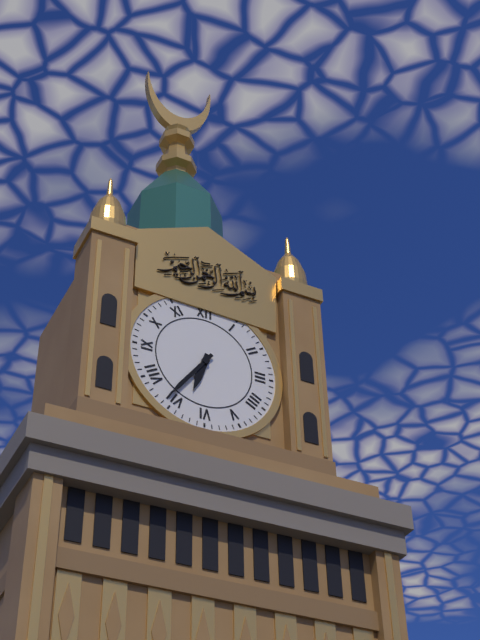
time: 6:36
